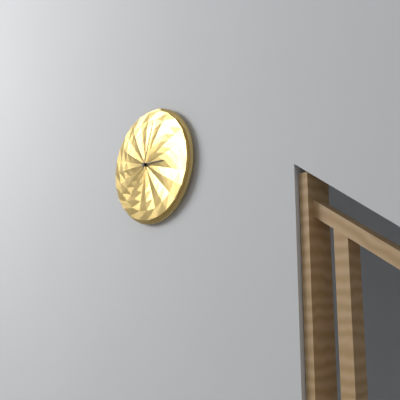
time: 3:03
